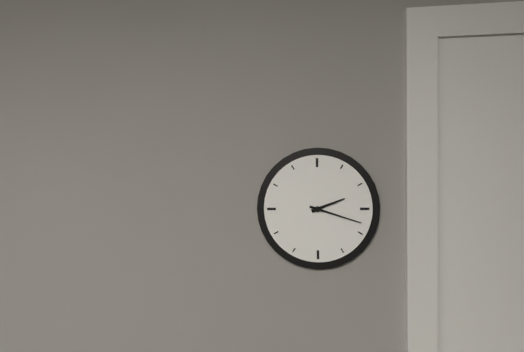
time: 2:18
